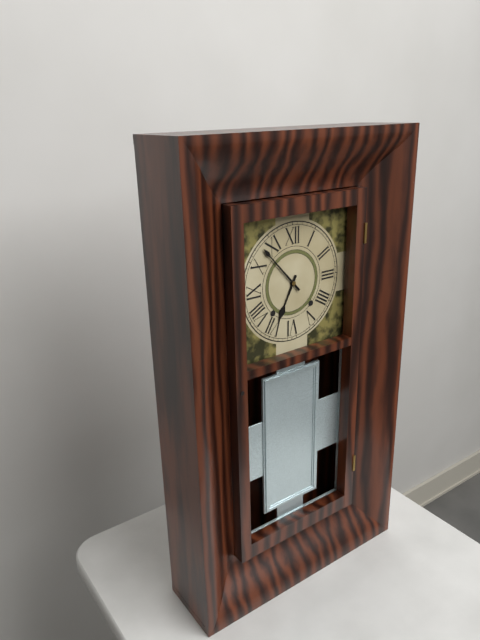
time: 6:53
